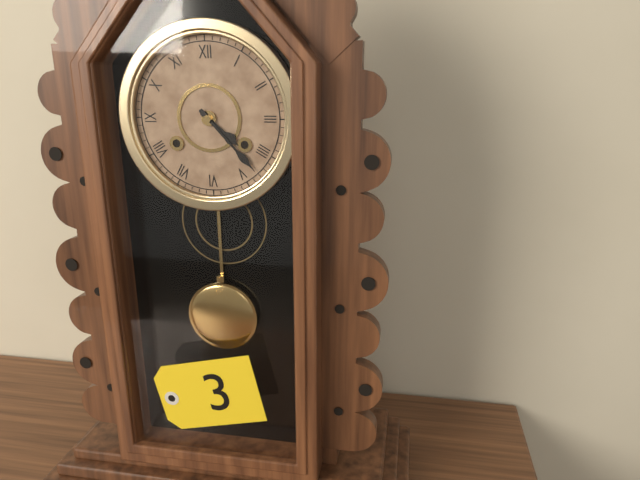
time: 4:23
